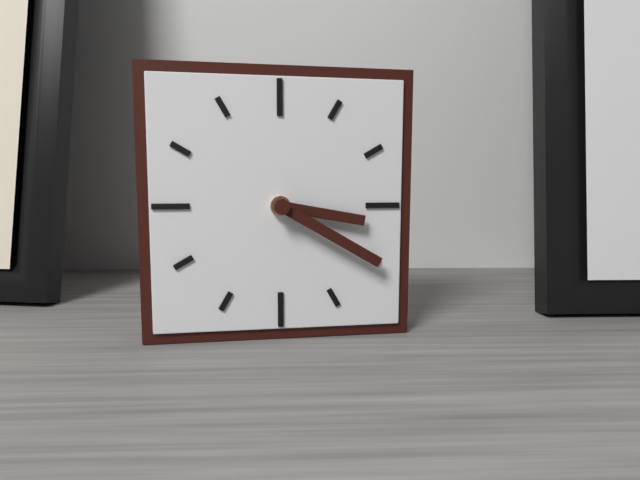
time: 3:20
